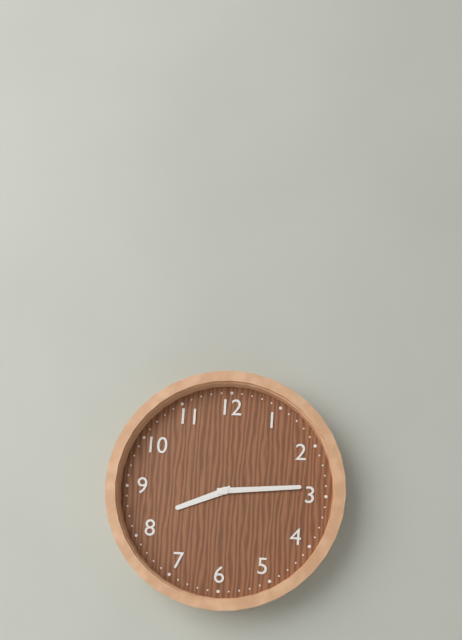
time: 8:14
